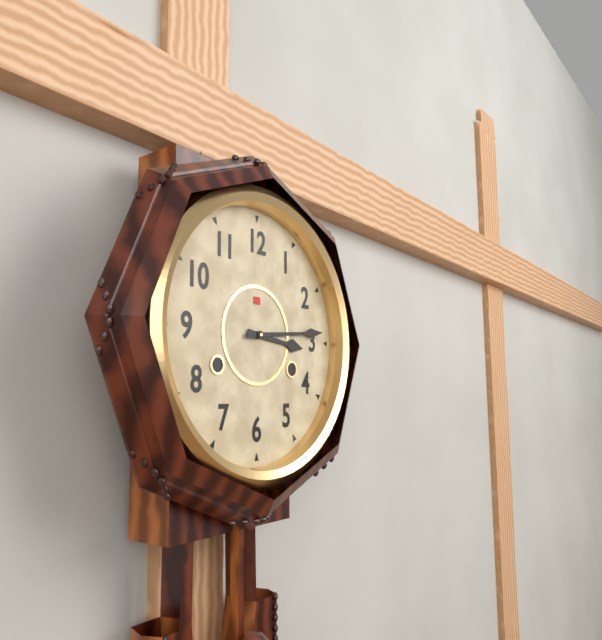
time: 3:14
